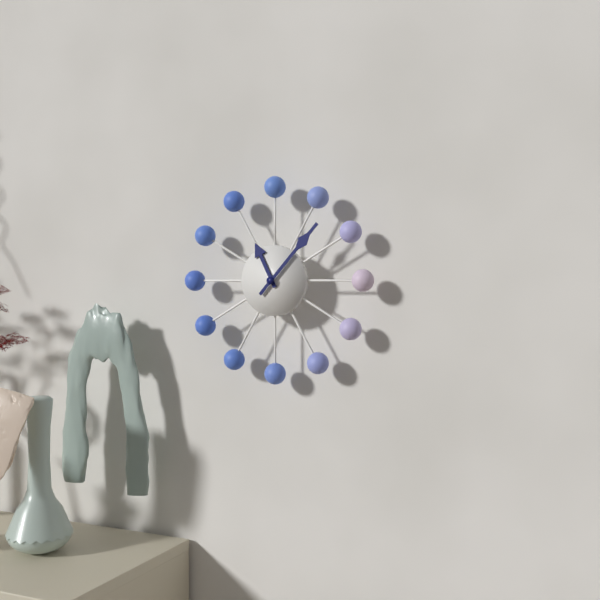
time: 11:07
